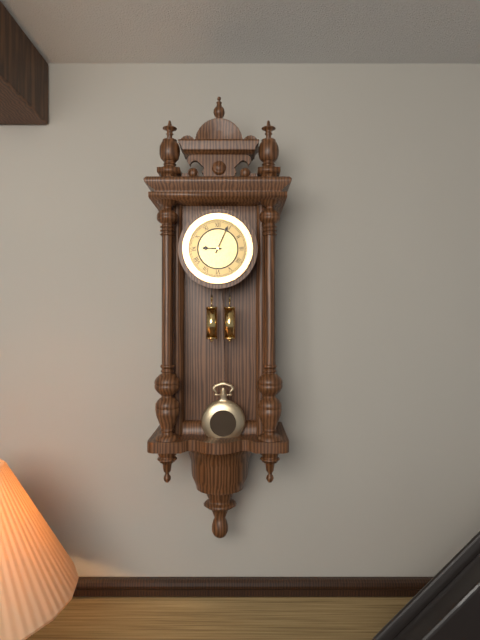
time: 9:04
